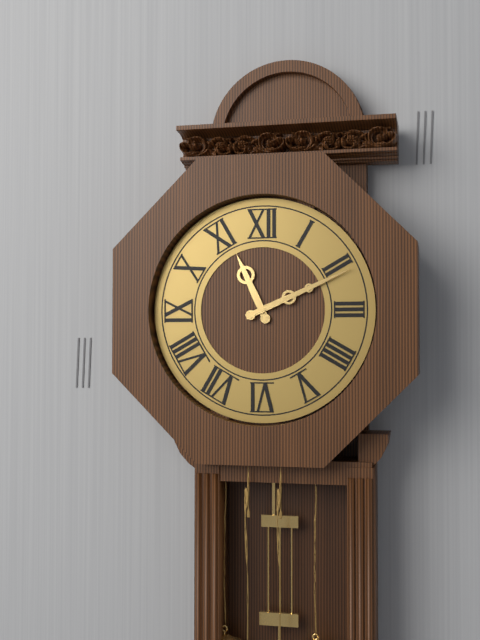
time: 11:11
